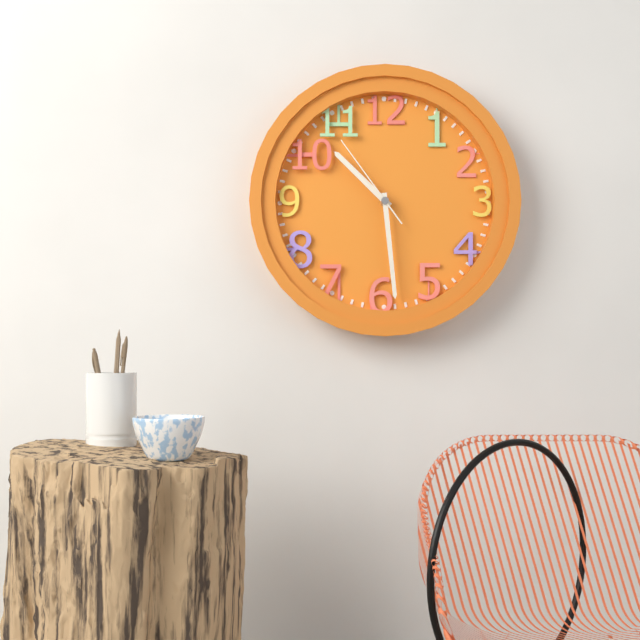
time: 10:29:54
